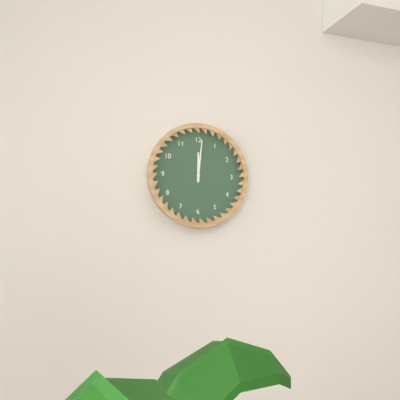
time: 12:01
